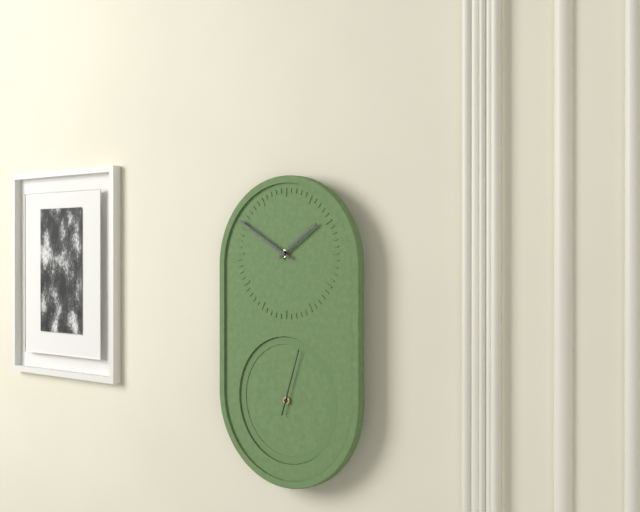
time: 1:50:03
